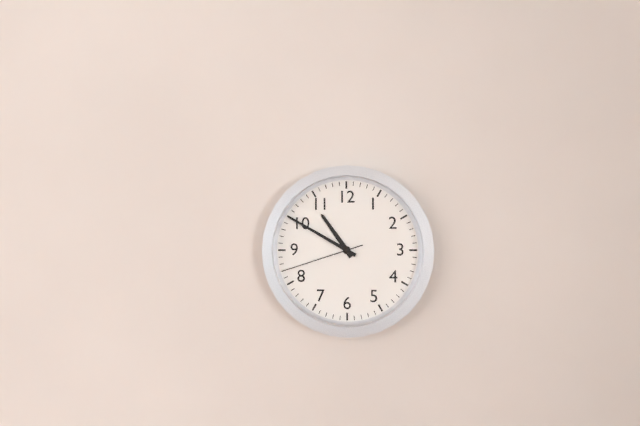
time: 10:50:42
